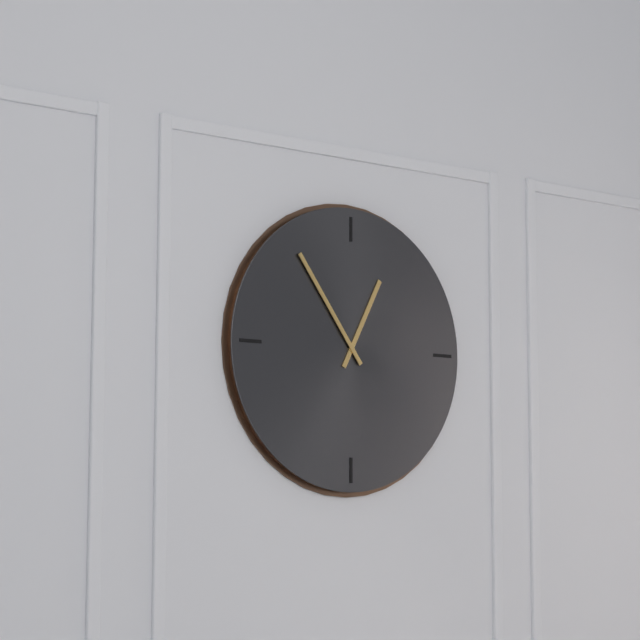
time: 12:54
